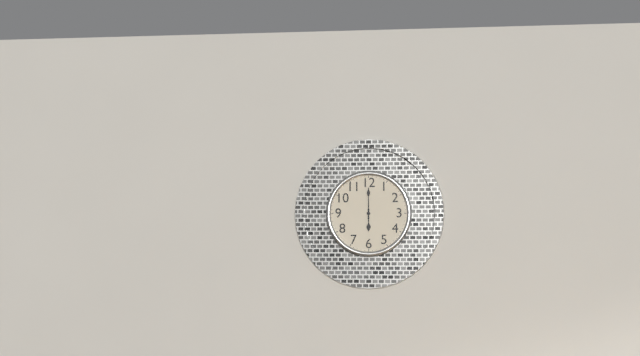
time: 6:00
